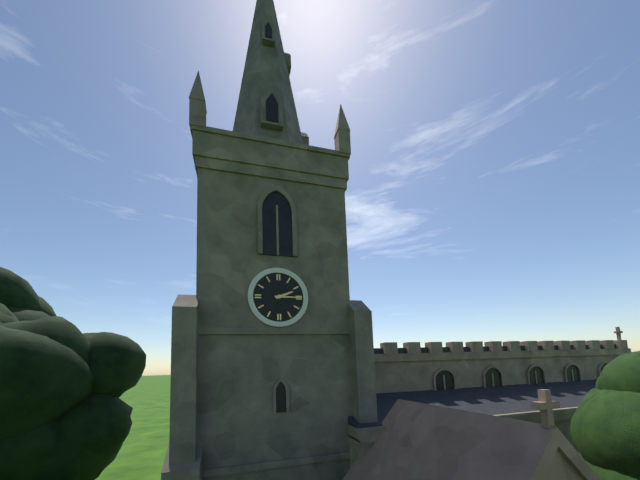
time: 2:15
